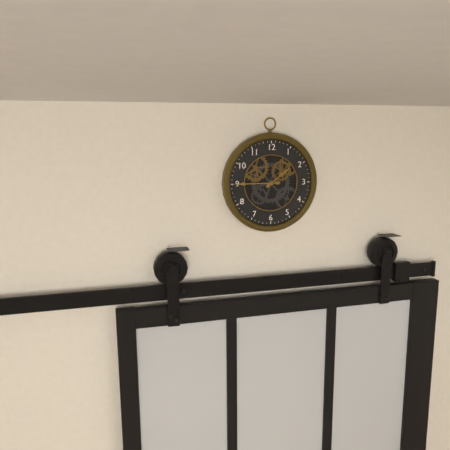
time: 1:45
